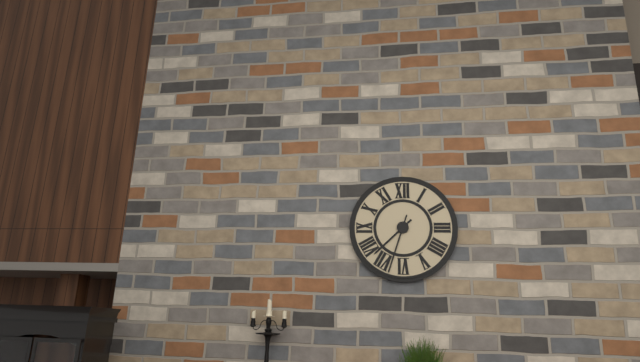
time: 7:33
